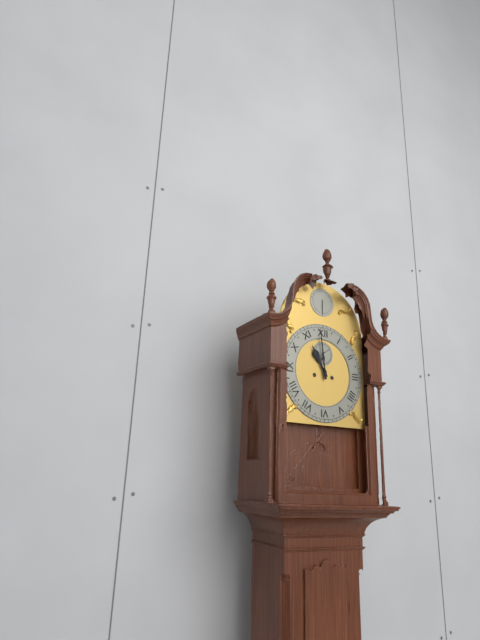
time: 10:59
